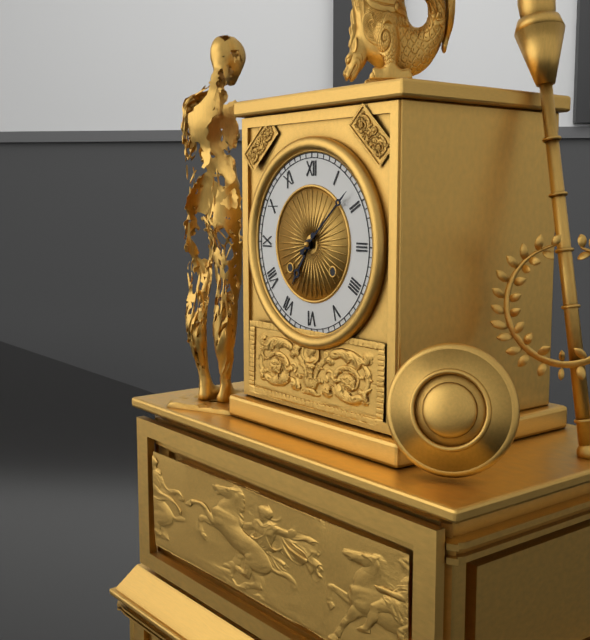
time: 7:08
